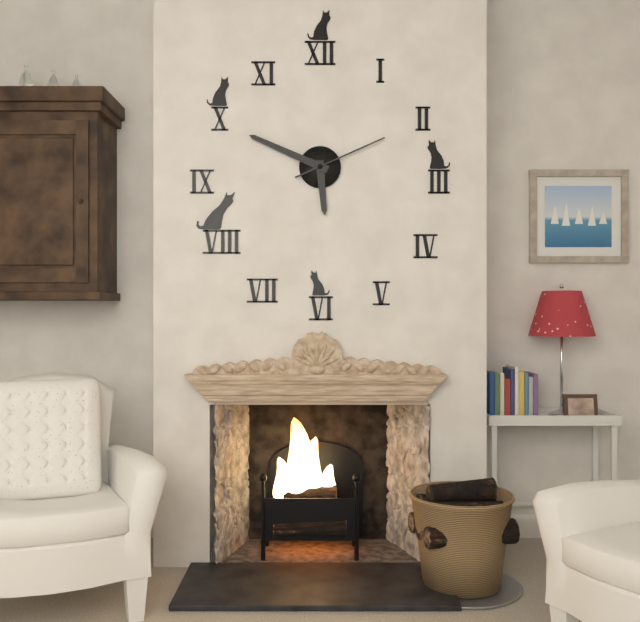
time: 5:49:11
